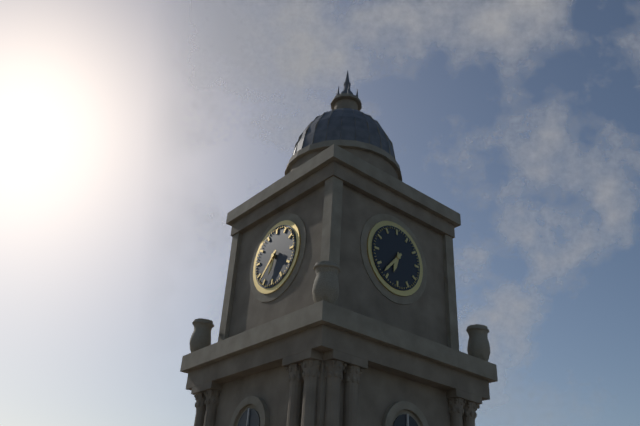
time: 6:37
